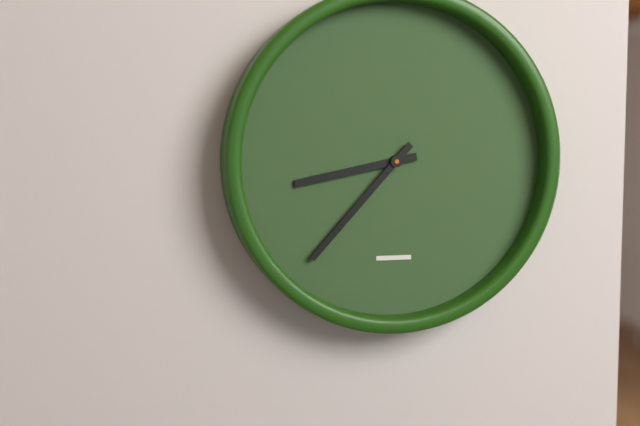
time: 8:37
